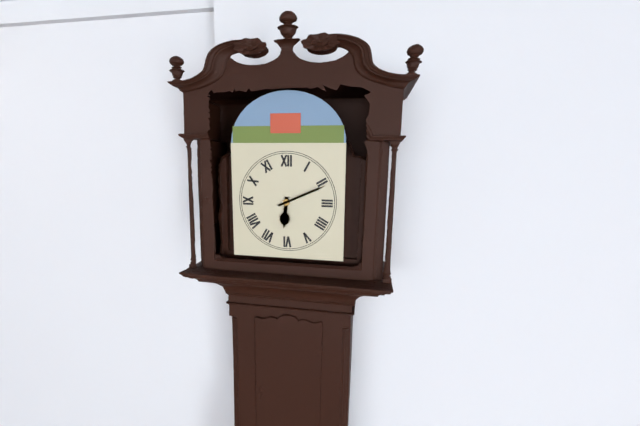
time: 6:11
